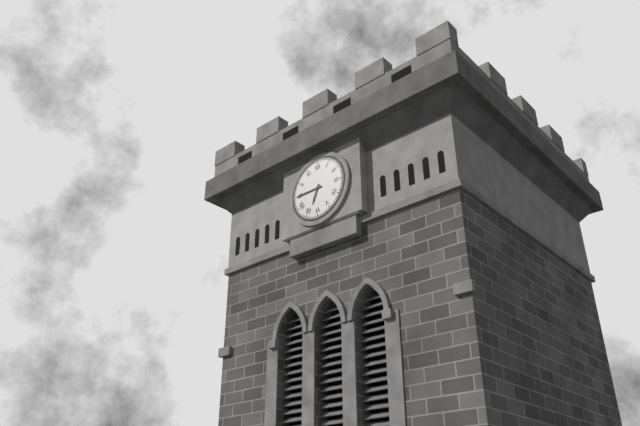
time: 6:45
